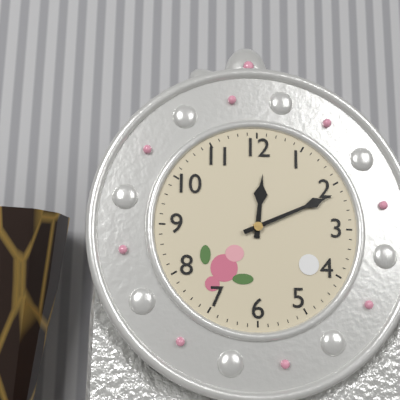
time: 12:11
